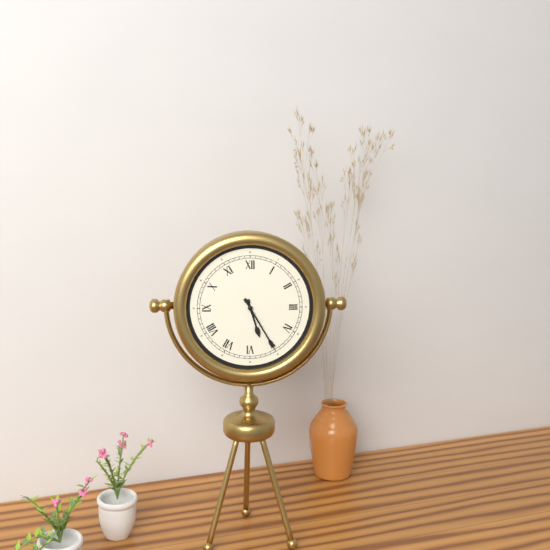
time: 5:25
